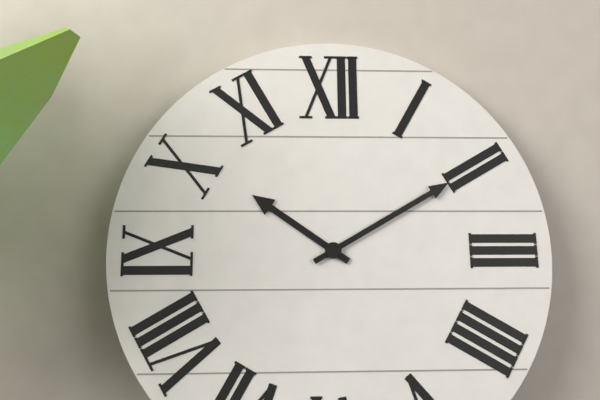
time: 10:10
